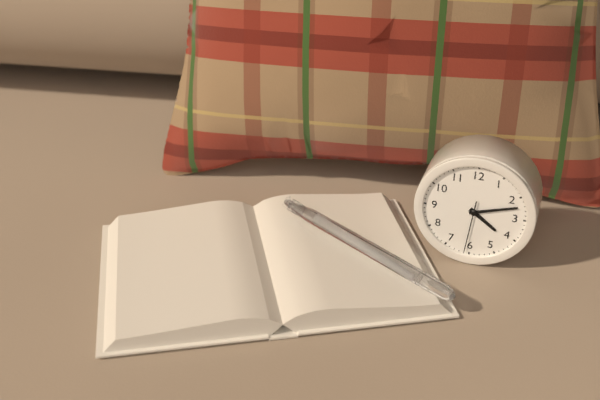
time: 4:12:31
